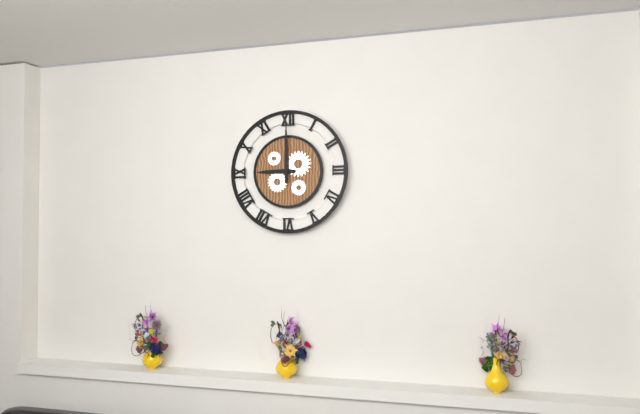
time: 9:00
